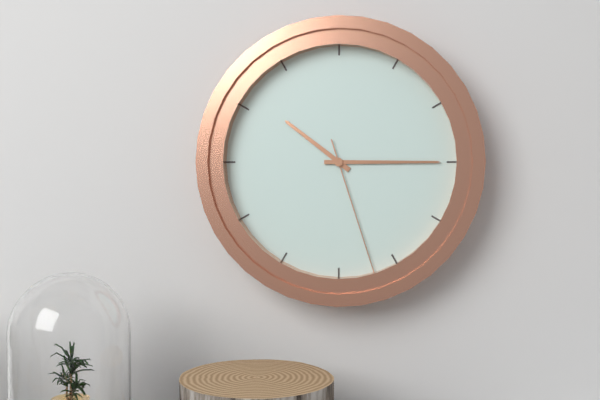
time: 10:15:27
